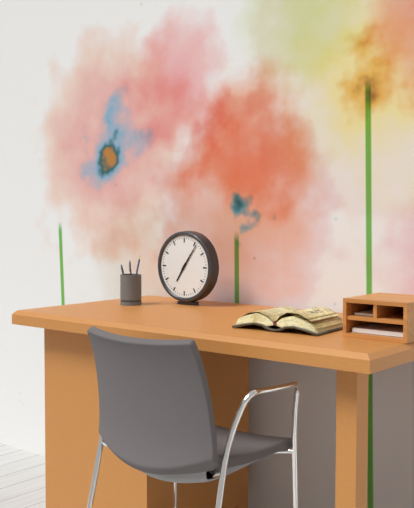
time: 7:06
